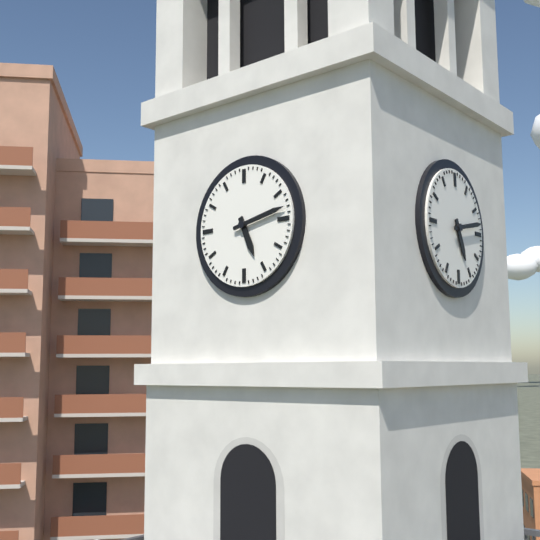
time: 5:13
